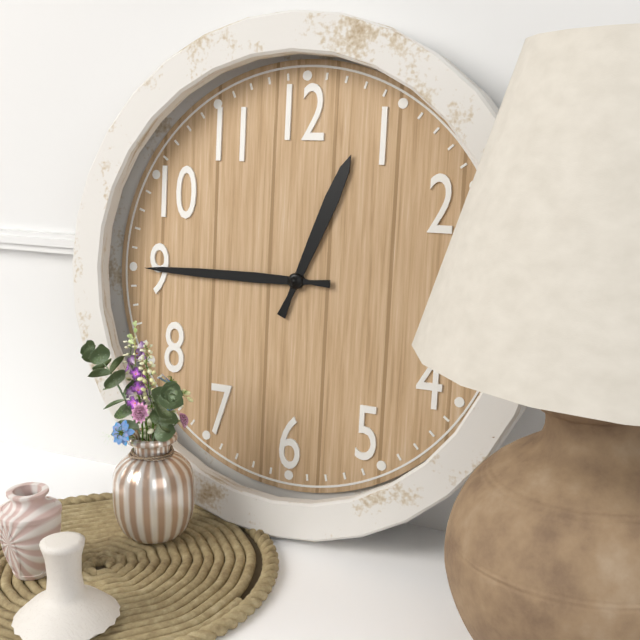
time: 12:45
